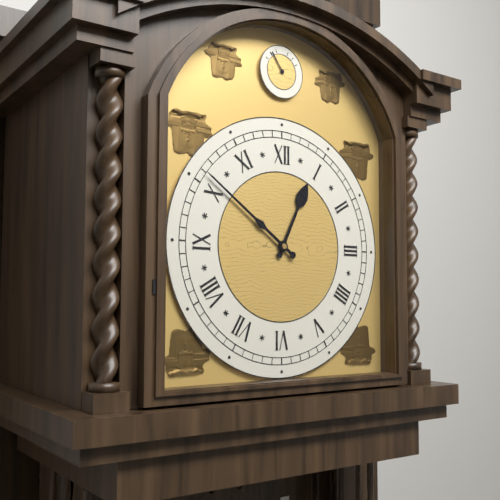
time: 12:51
